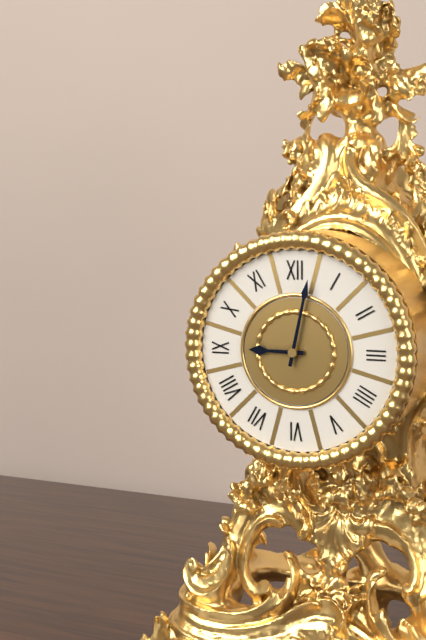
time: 9:02
